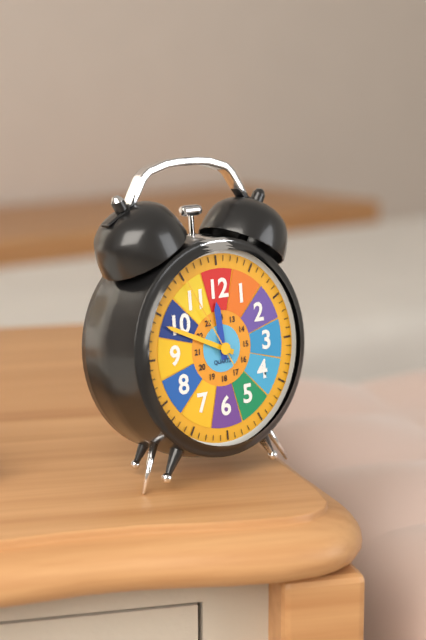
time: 11:49:55
